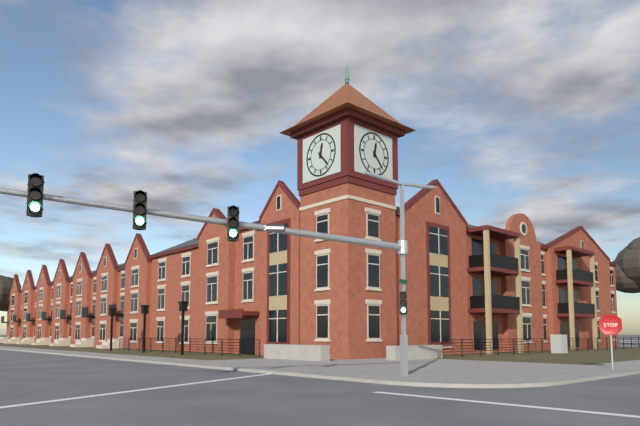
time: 12:23
